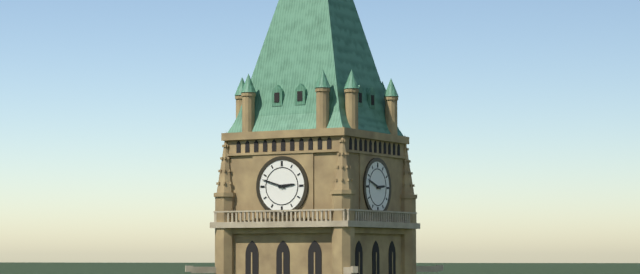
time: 2:48
